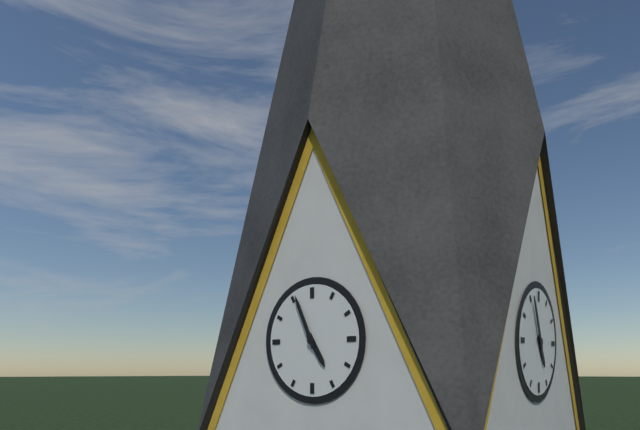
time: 4:56
